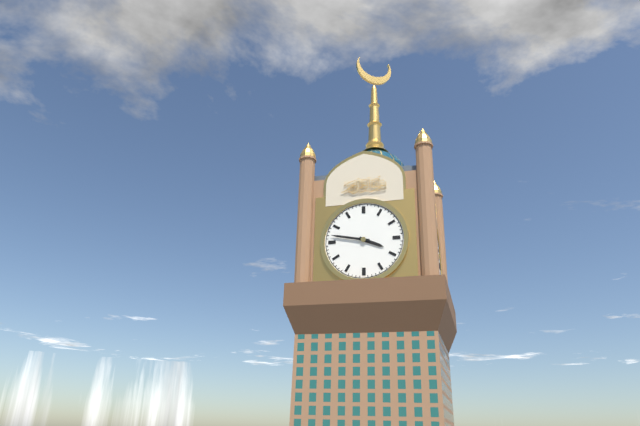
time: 3:47
